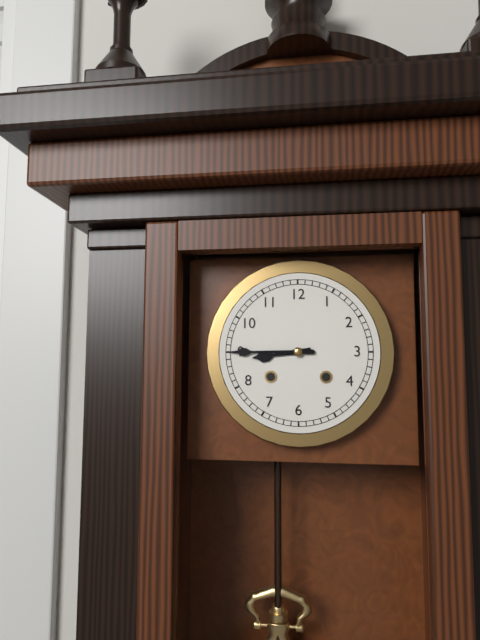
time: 8:45
